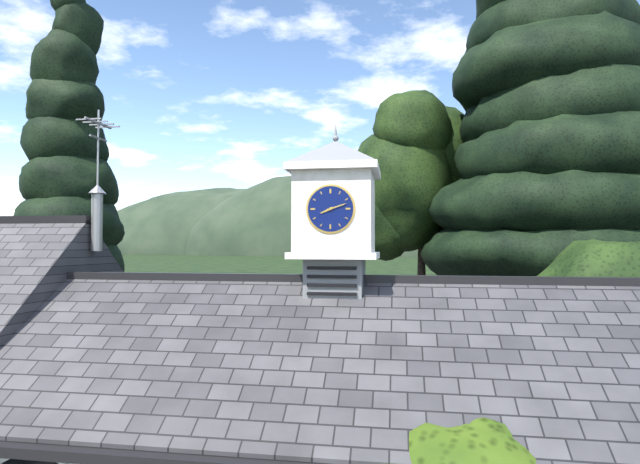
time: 8:12
